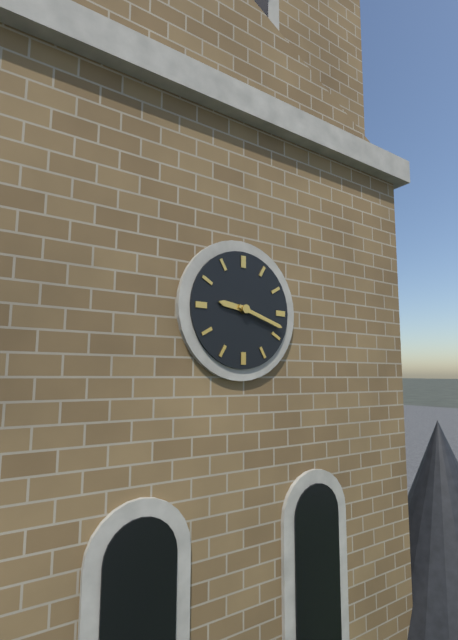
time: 9:18
